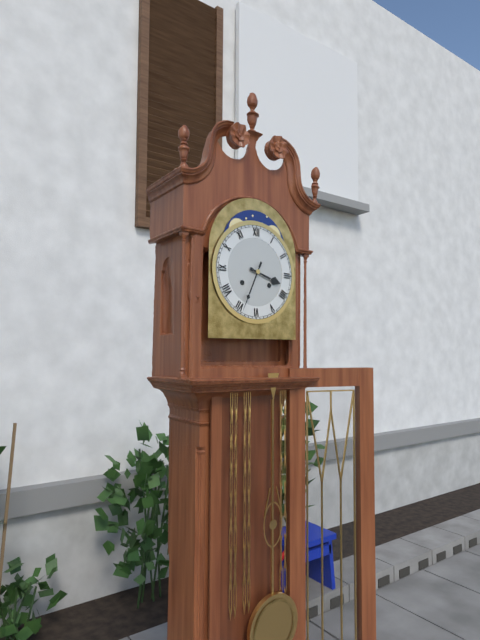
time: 3:34
